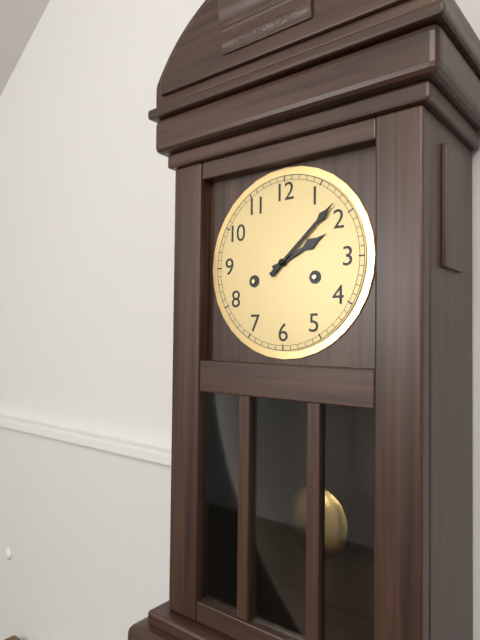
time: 2:08
